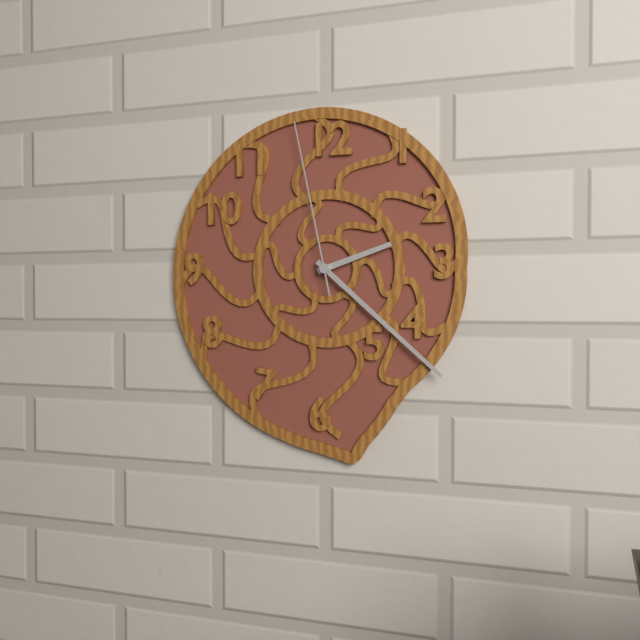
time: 2:22:58
